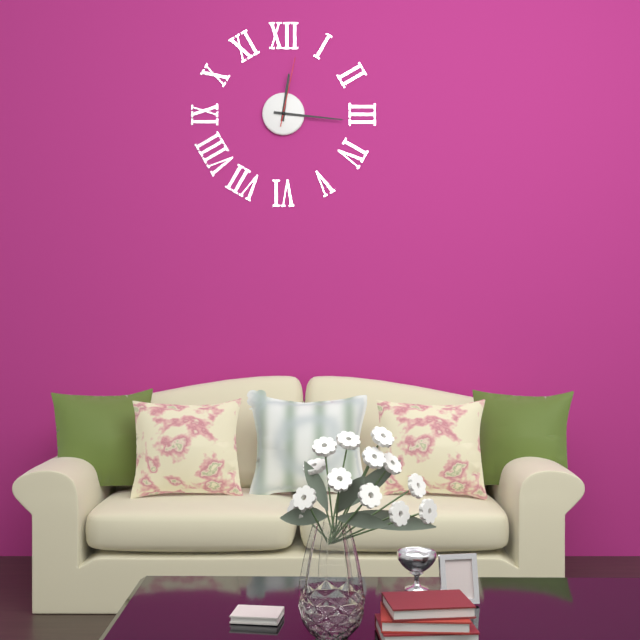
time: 12:16:02
